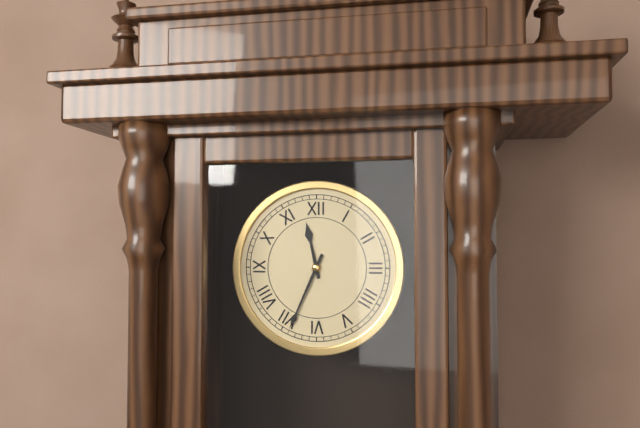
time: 11:34
